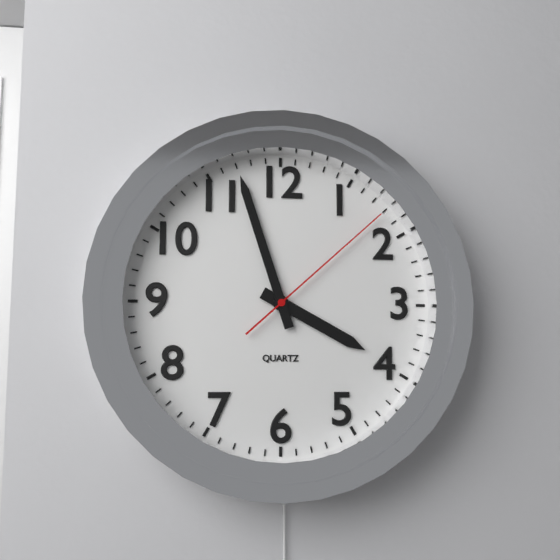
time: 3:57:08
